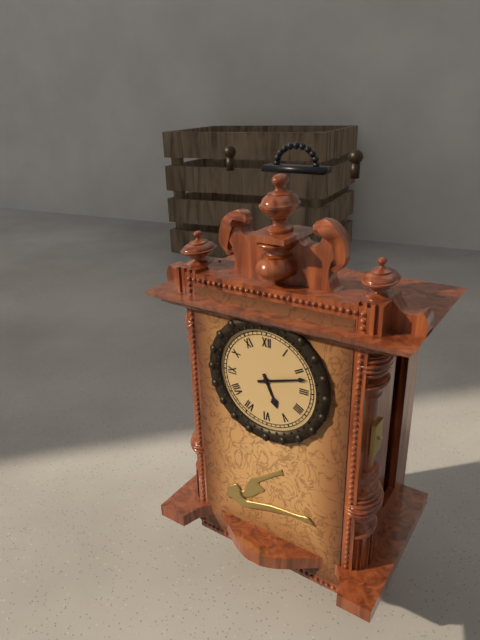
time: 5:12
